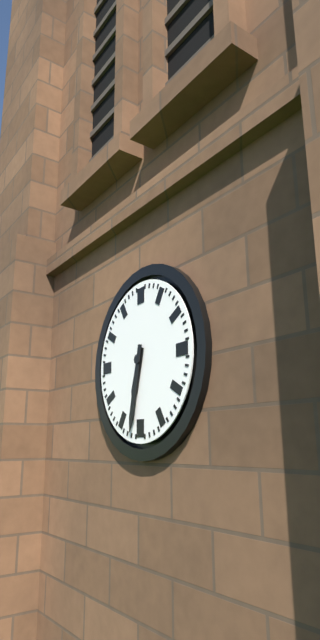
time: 6:32
